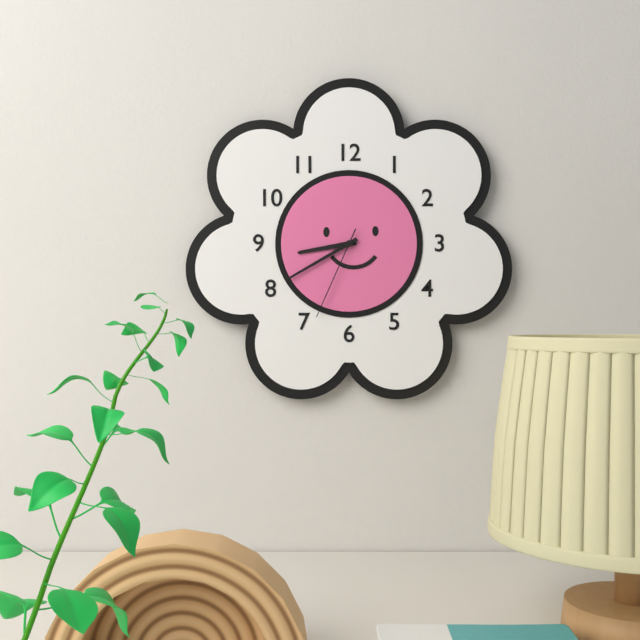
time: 8:40:34
